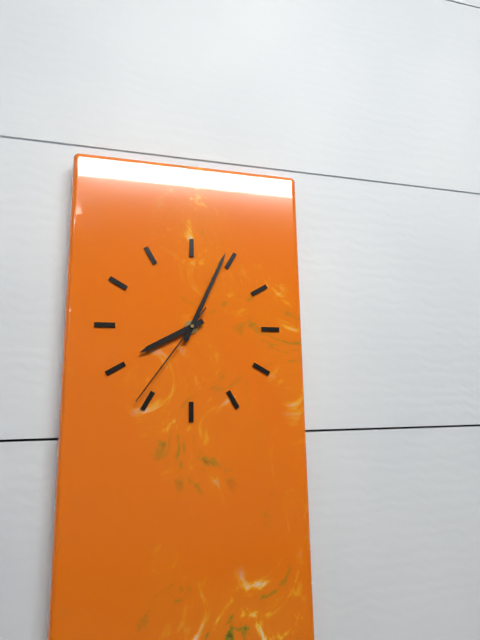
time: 8:04:36
